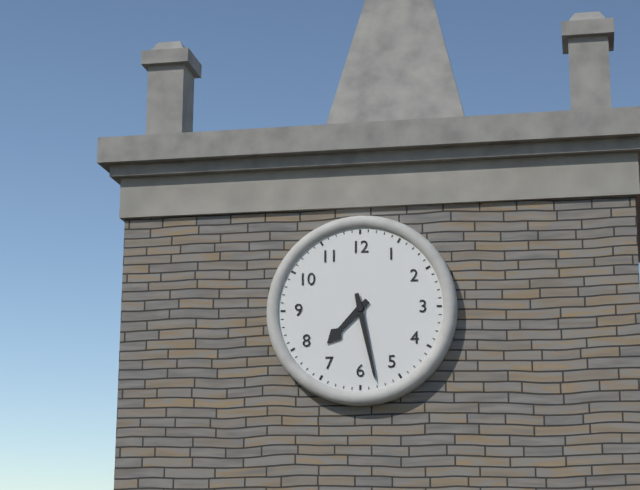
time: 7:28
